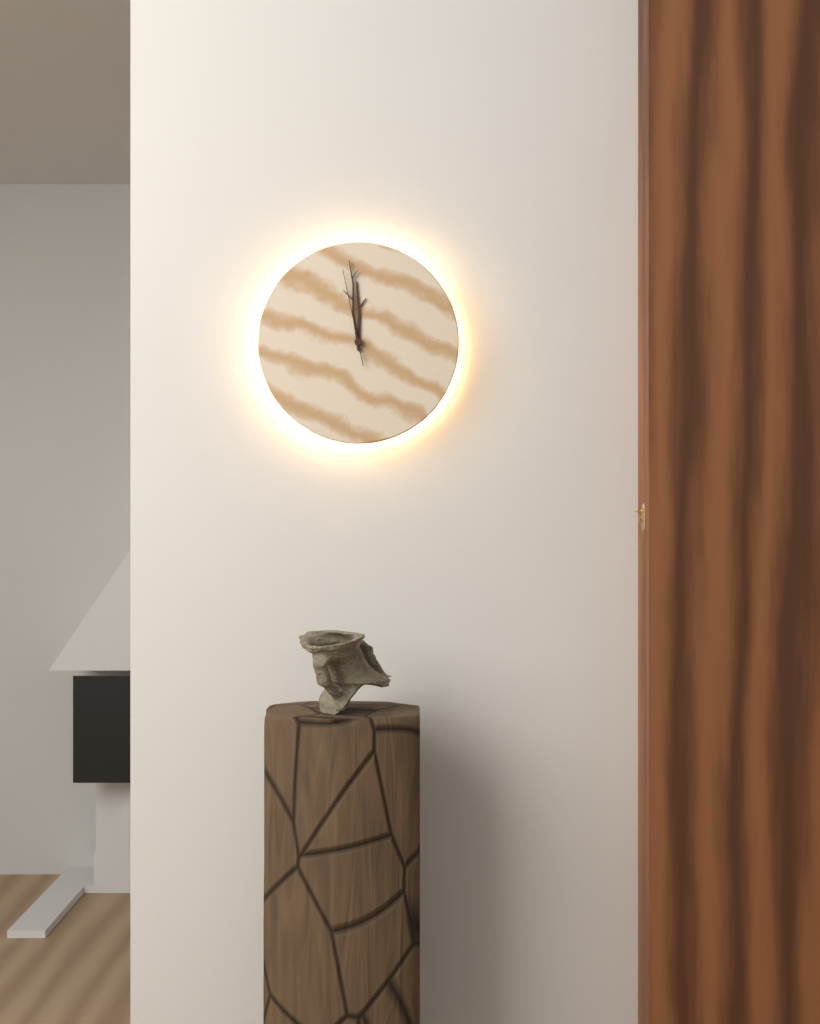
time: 11:59:58
